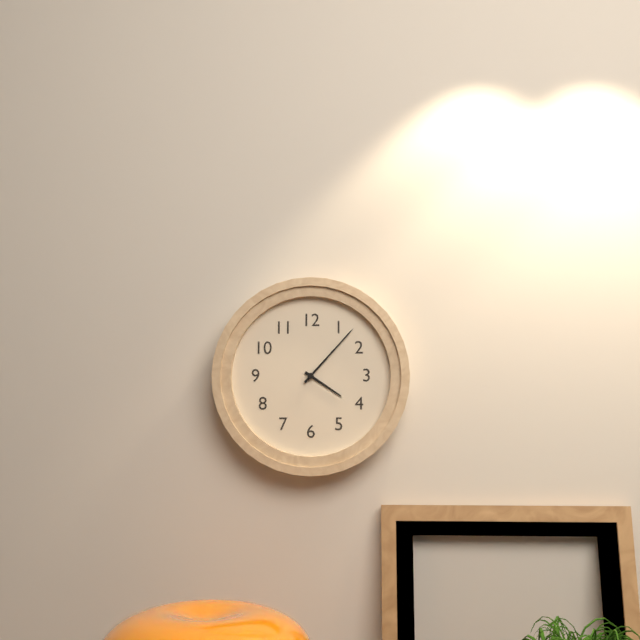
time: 4:07
